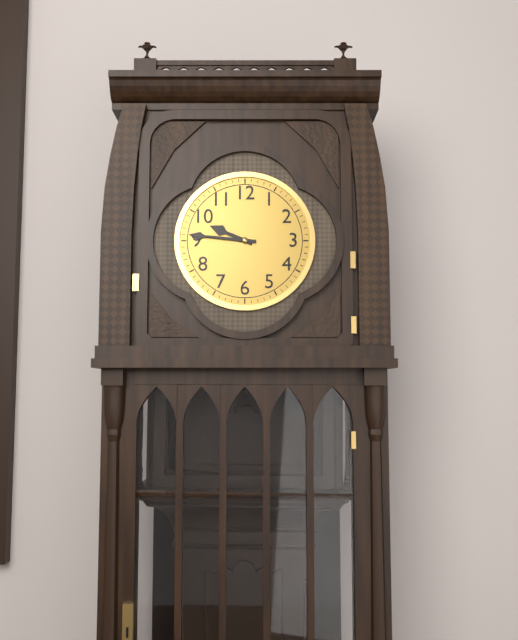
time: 9:46
